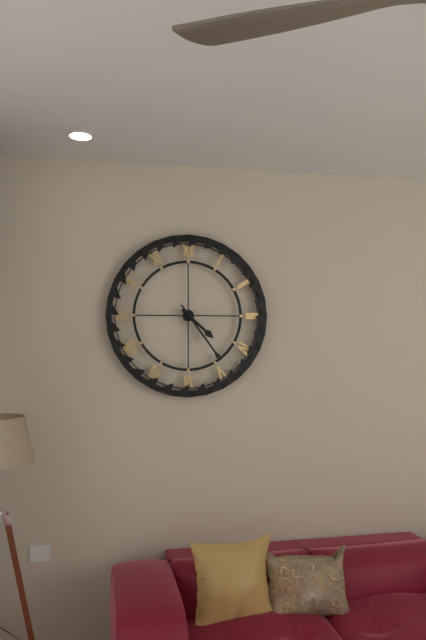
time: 4:24
